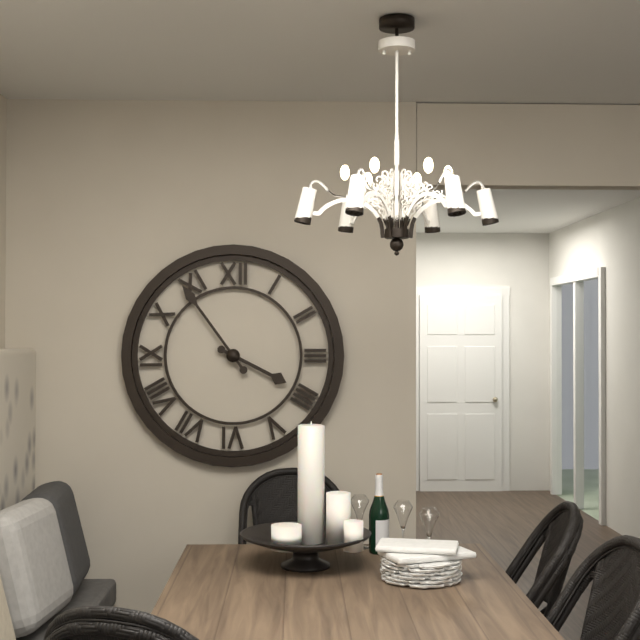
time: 3:54
